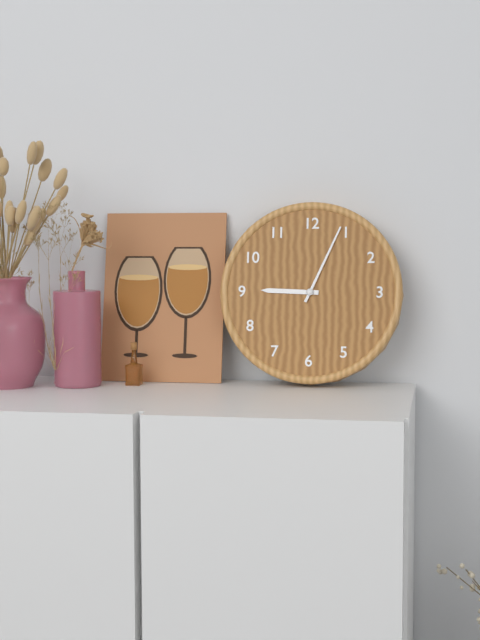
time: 9:04
